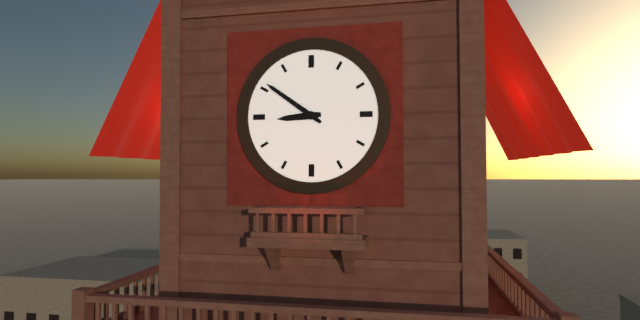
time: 8:51
